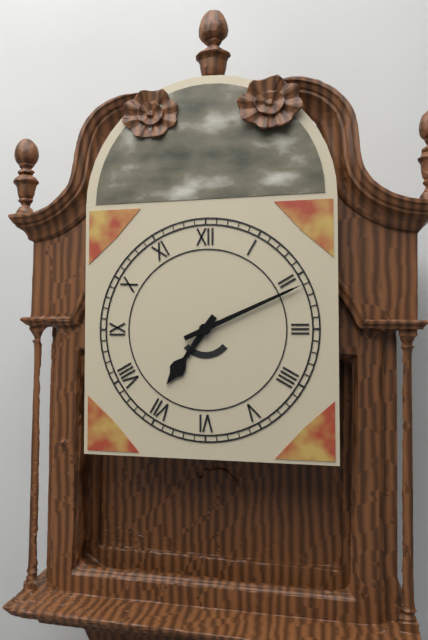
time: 7:11
